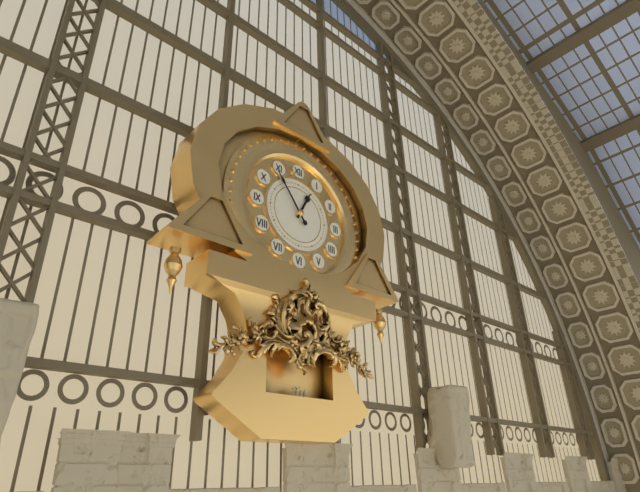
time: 12:54
